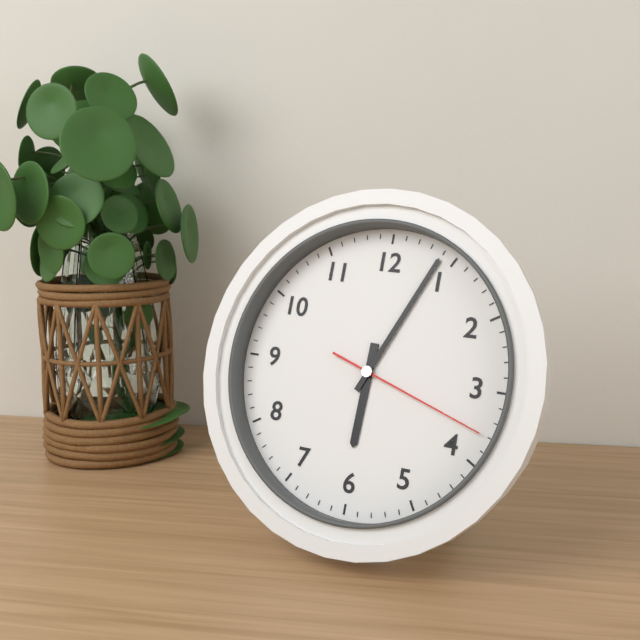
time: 6:04:18
